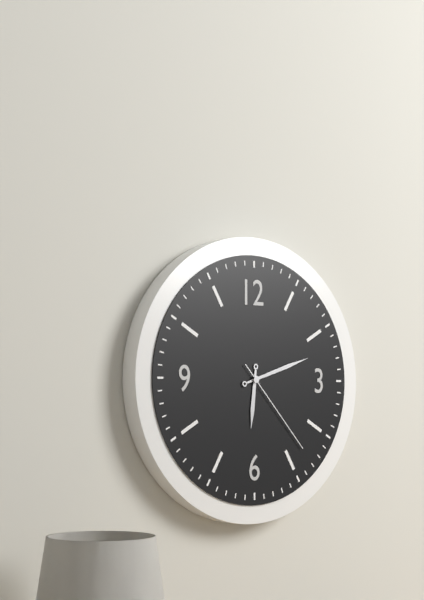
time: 6:12:23
